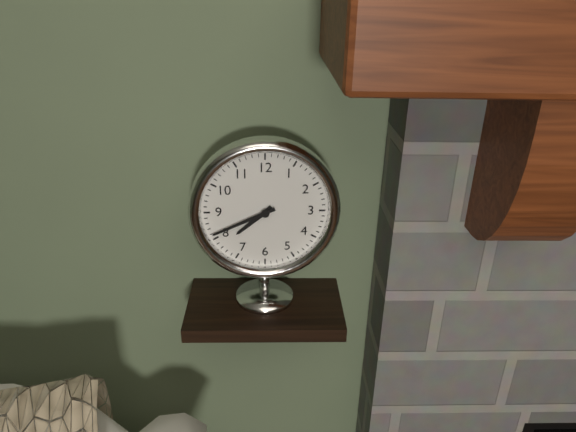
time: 7:41
